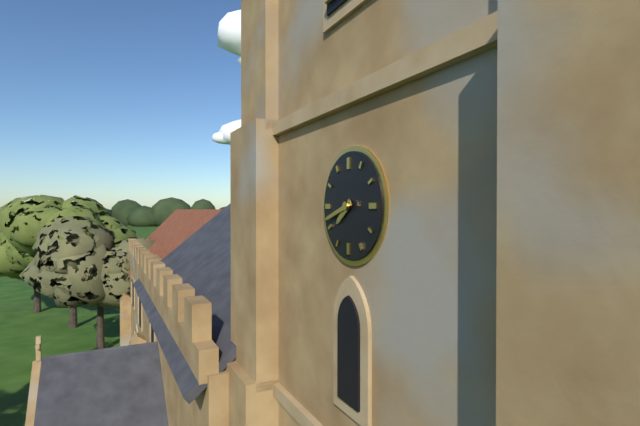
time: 7:42
